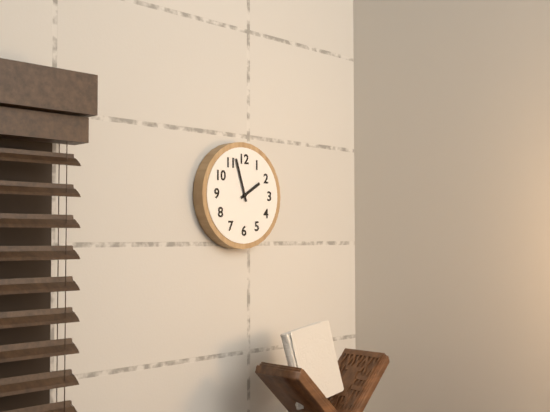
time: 1:57
